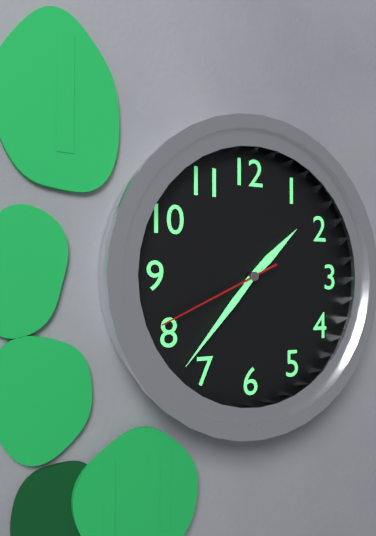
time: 1:37:41
